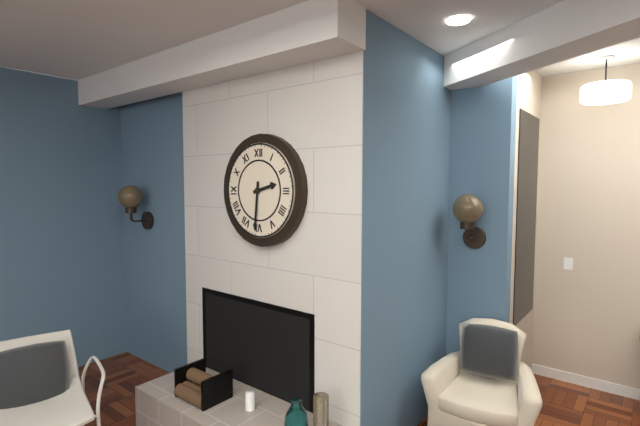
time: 2:31
